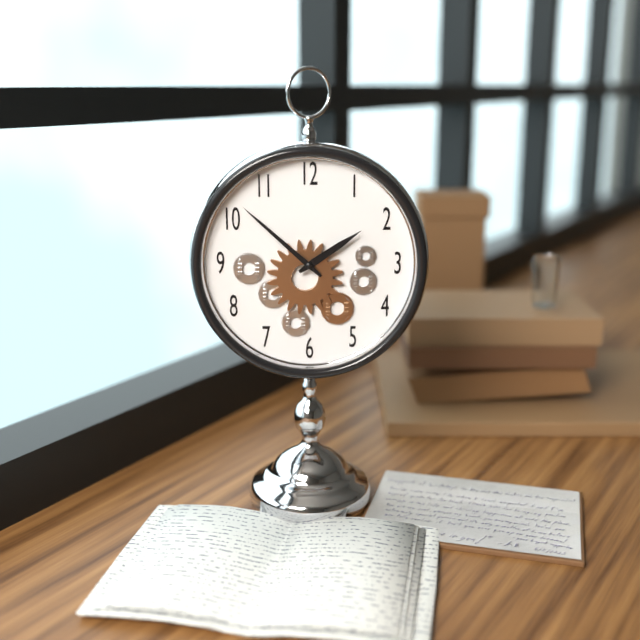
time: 1:52
